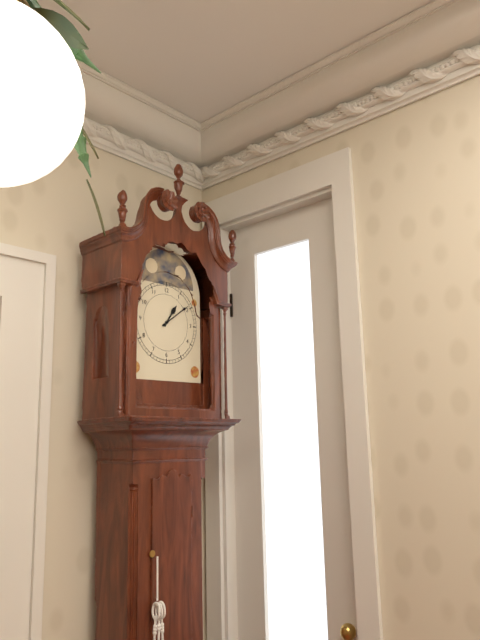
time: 1:09
